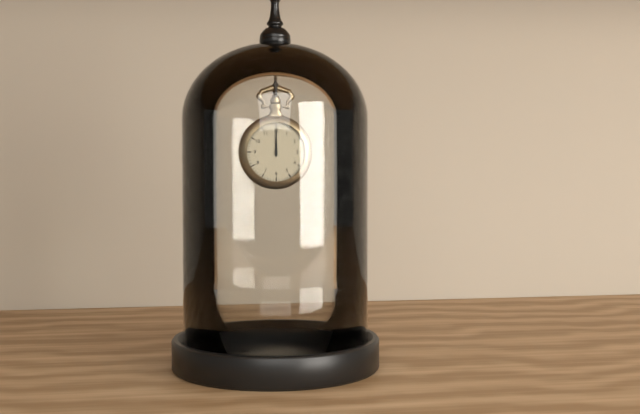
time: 12:00
